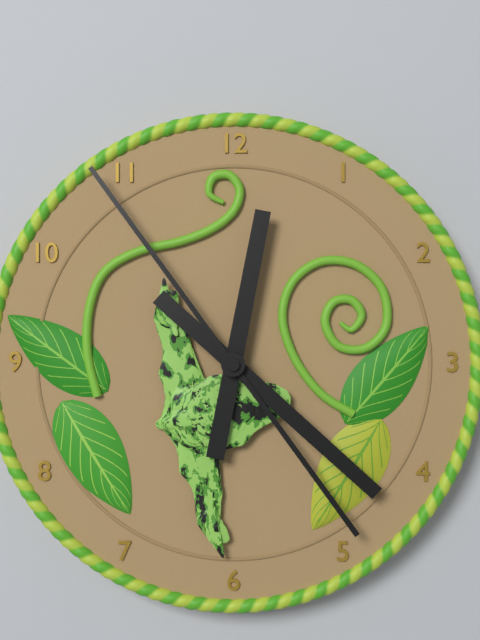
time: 12:22:54
